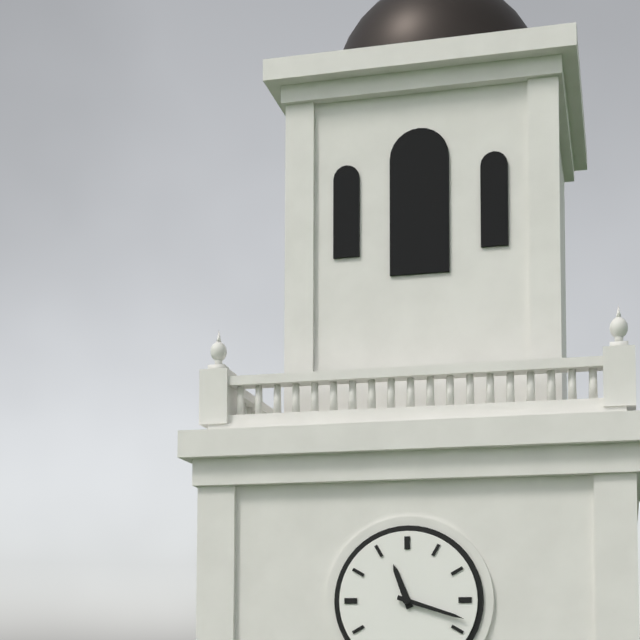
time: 11:18
